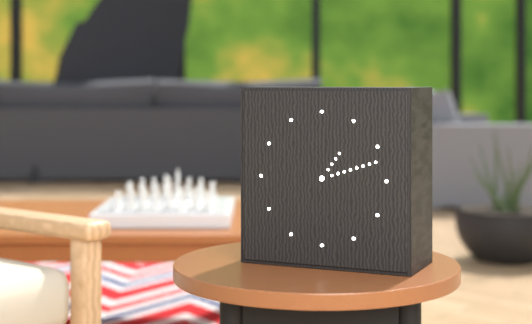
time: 1:12
